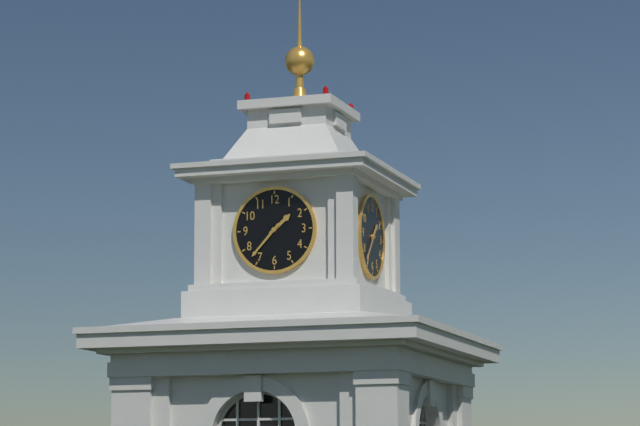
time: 1:37
